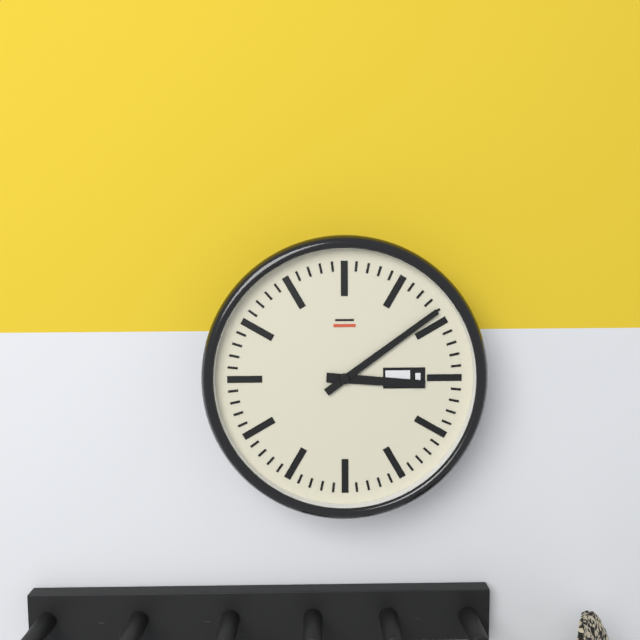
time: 3:09
